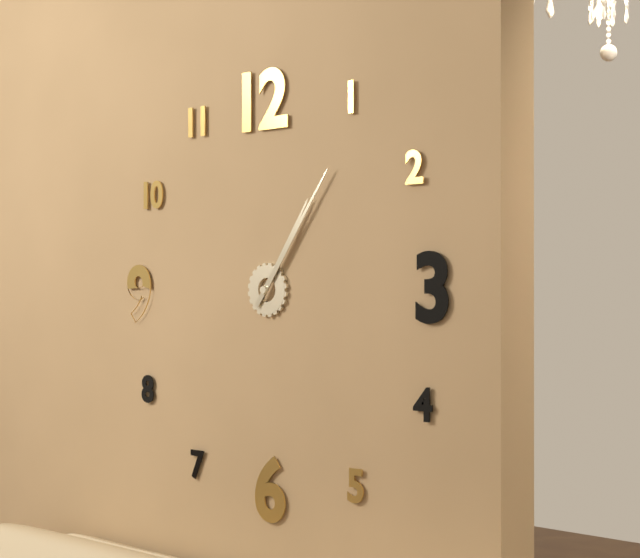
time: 1:06
